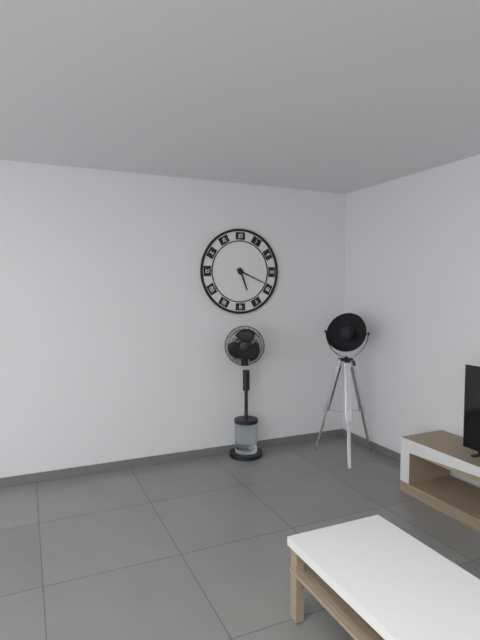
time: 5:19
